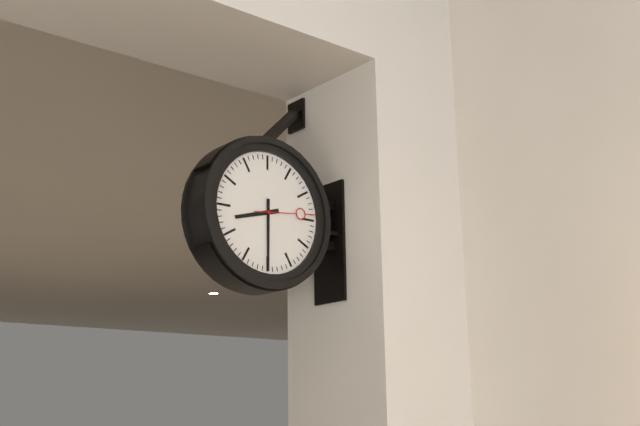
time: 8:30:14
